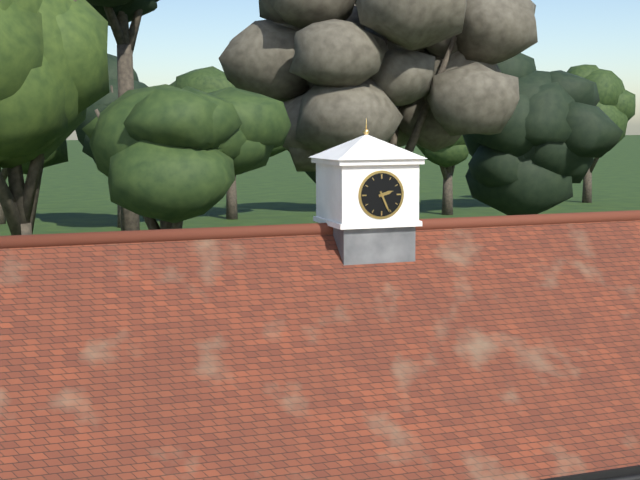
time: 2:26
